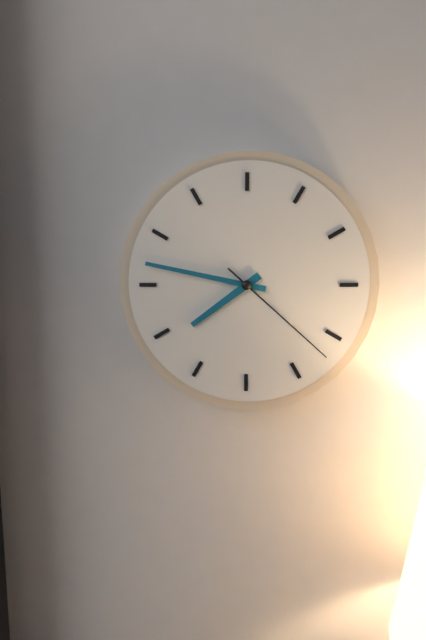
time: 7:47:22
